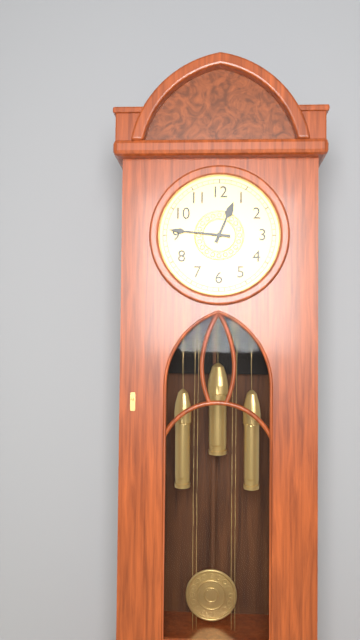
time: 12:46
